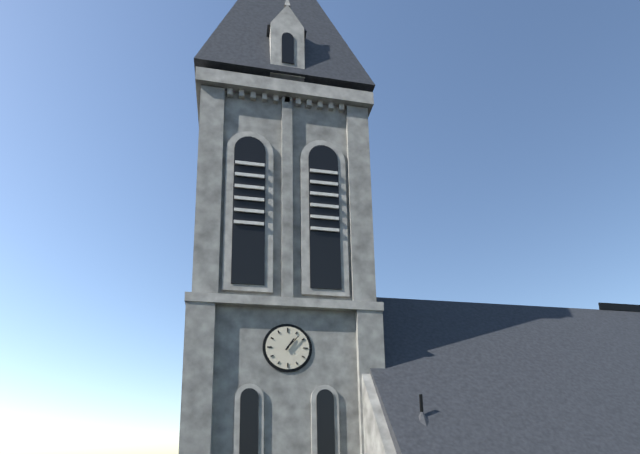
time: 1:07
